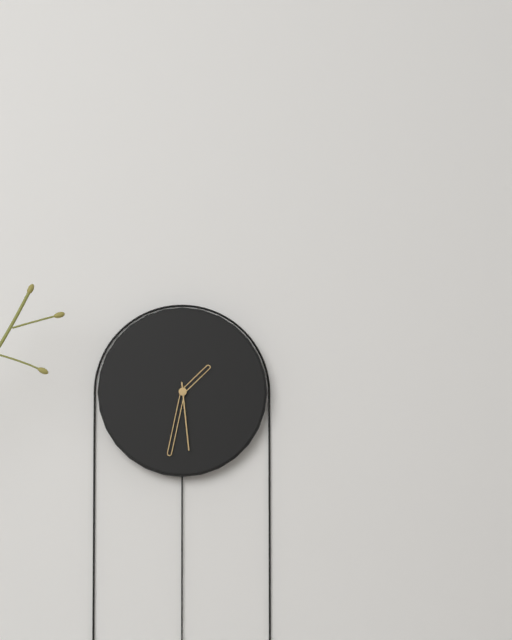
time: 1:32:29
